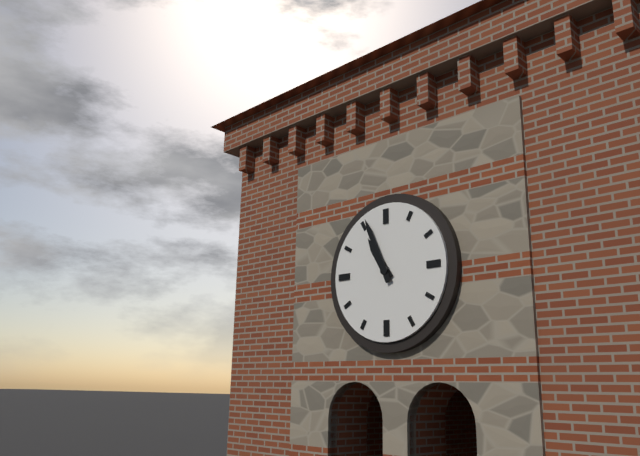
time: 10:56
